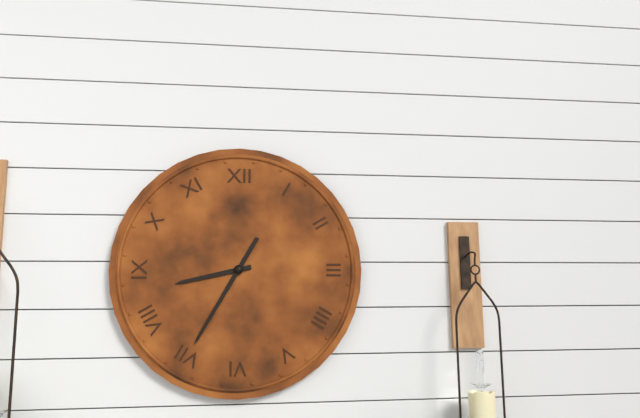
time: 8:35
